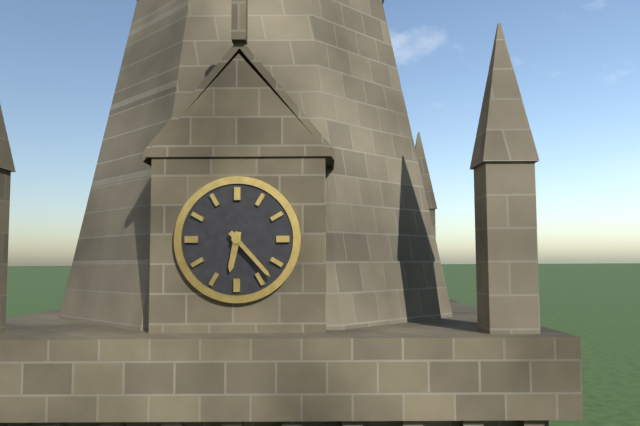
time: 6:23
